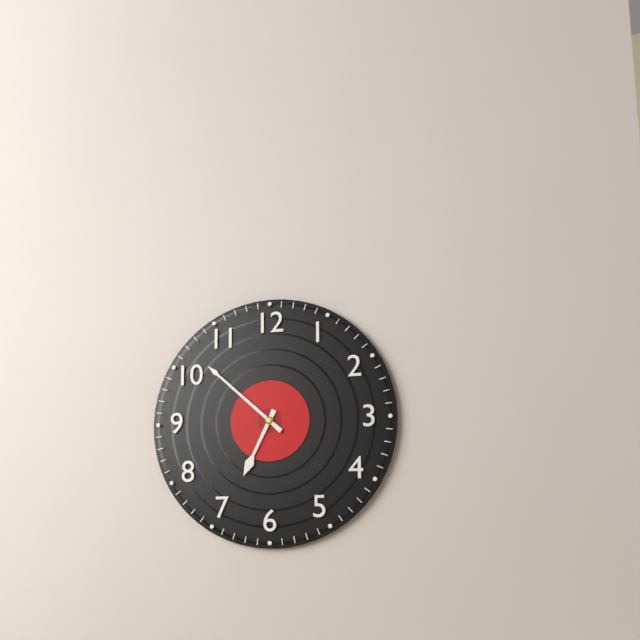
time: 6:52
